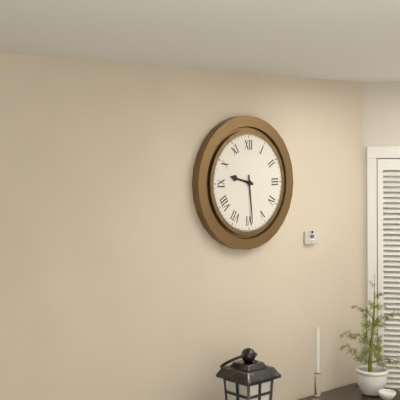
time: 9:29
